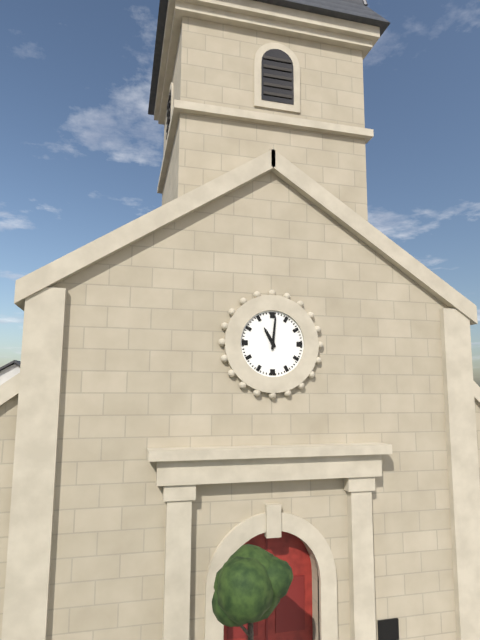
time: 11:01
